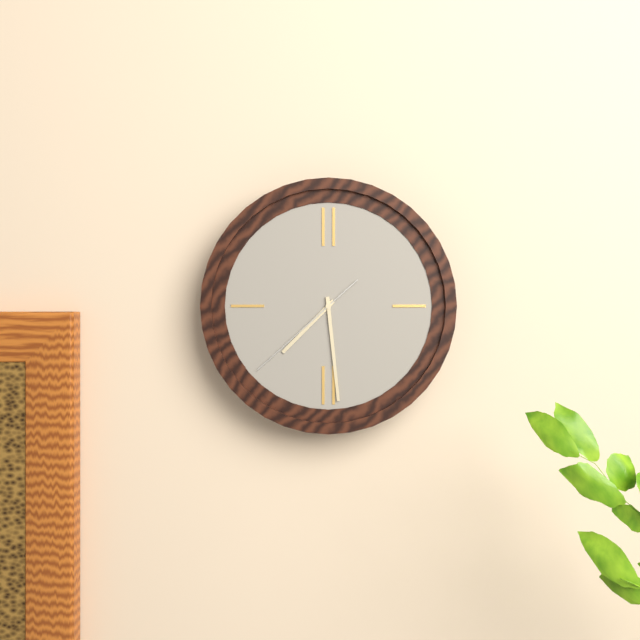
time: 7:29:38
